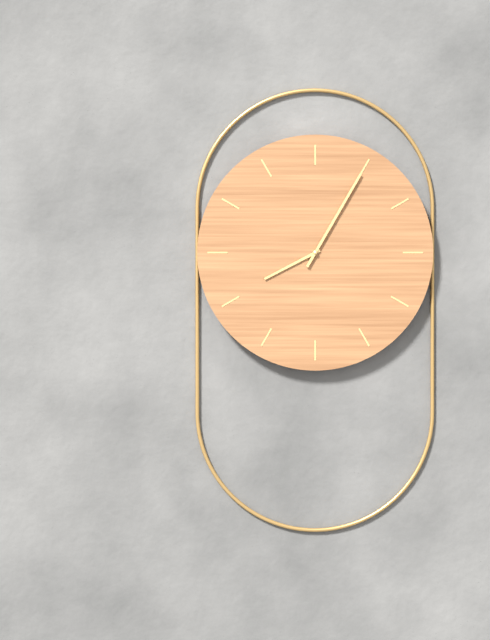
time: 8:05
